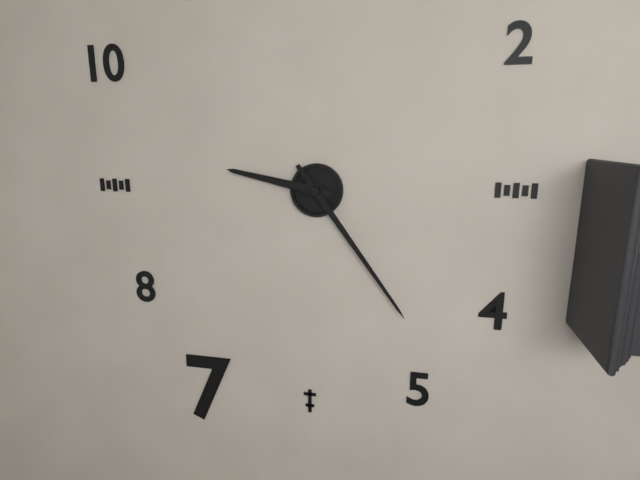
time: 9:24
